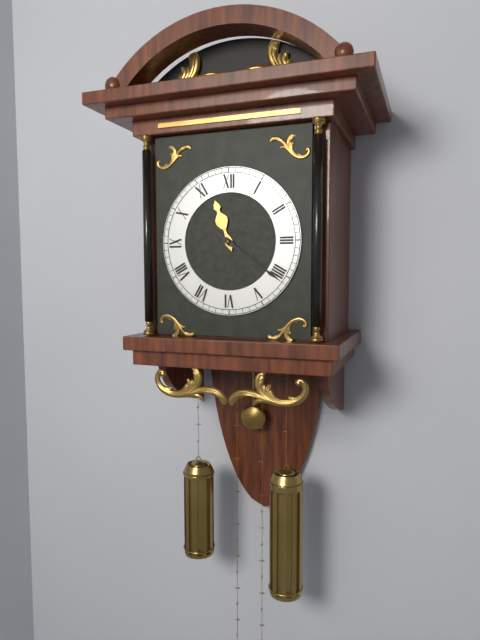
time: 11:21
